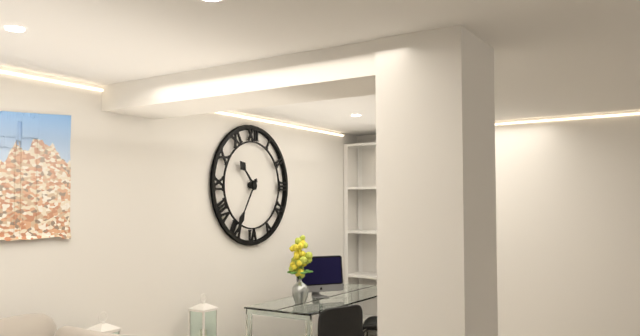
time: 10:35
